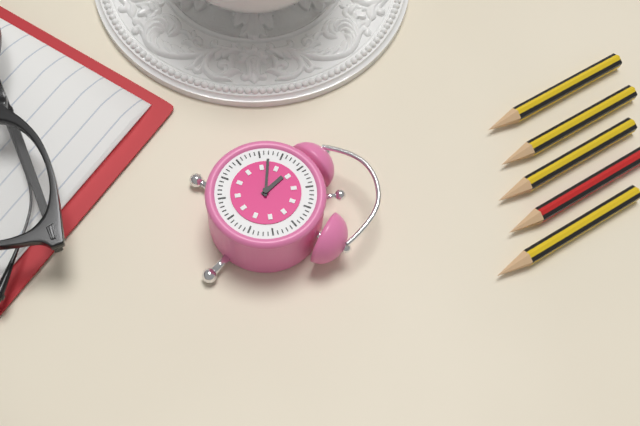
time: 10:47
